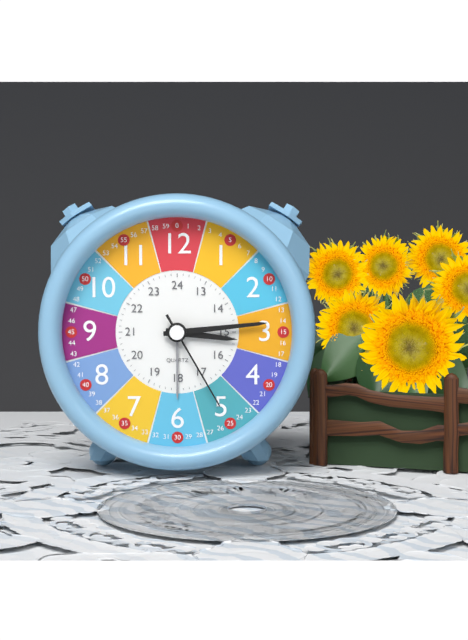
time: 3:14:25
